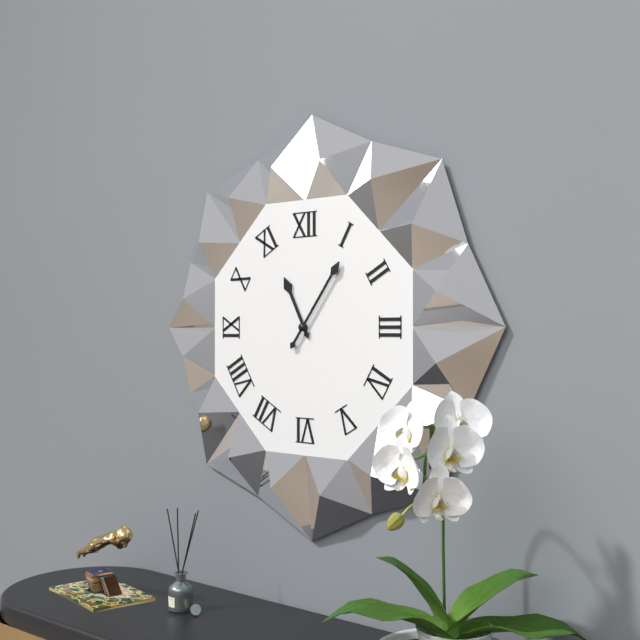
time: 11:06
